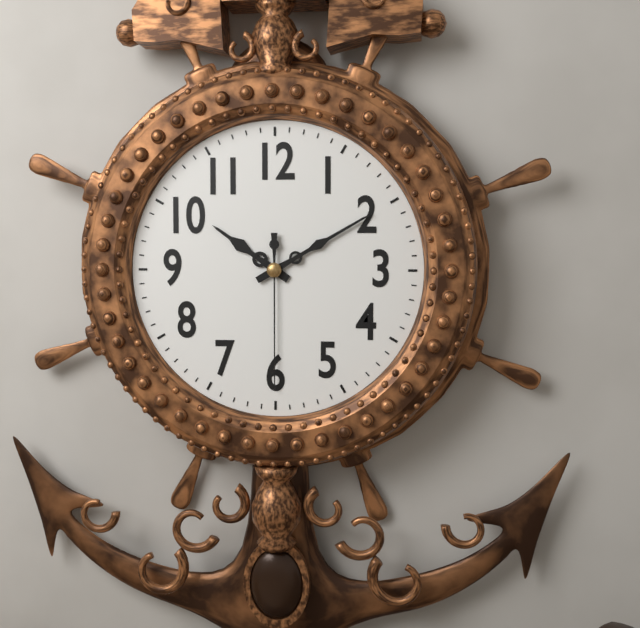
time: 10:10:30
